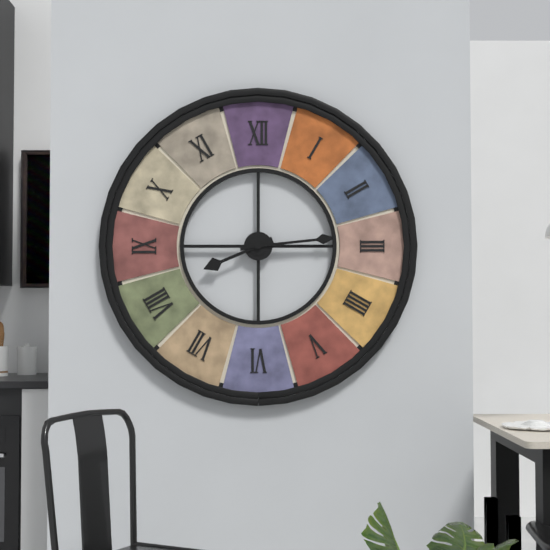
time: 8:14
